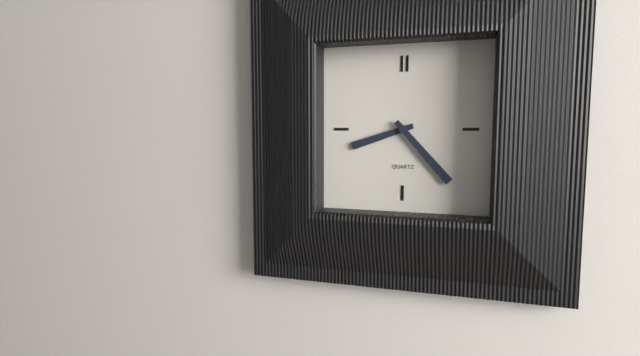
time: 8:23
